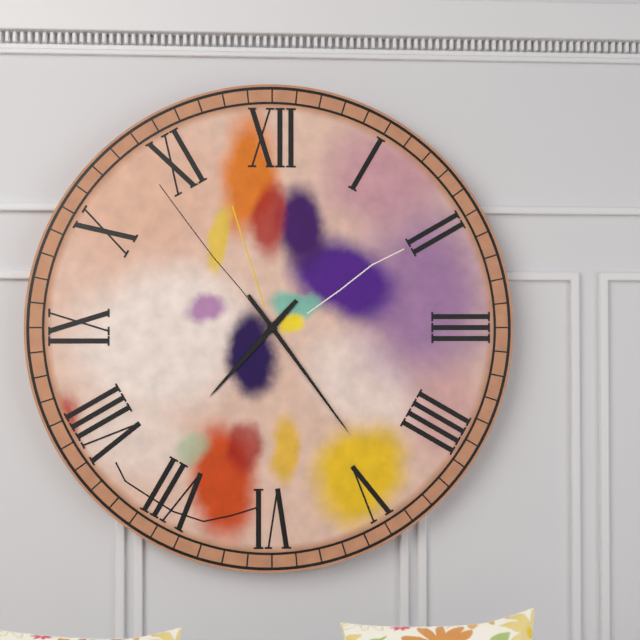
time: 7:24
